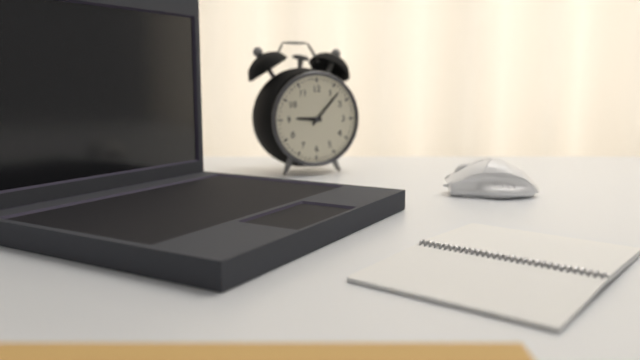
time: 9:07
